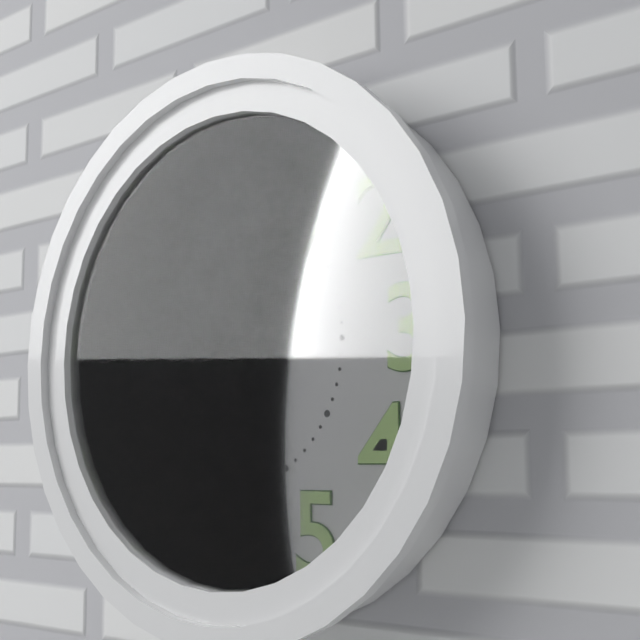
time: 1:08:42
